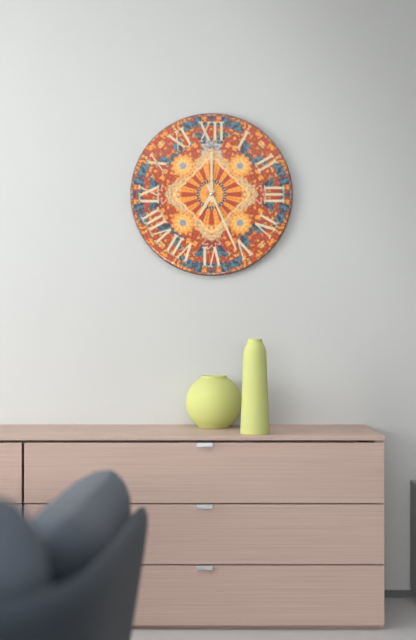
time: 7:00:26
